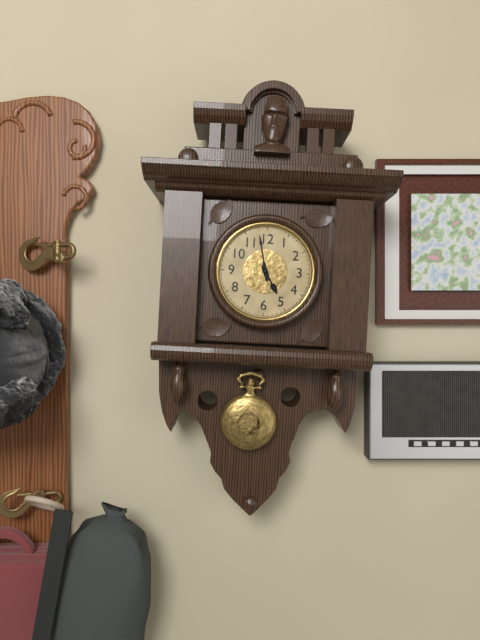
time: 4:58
